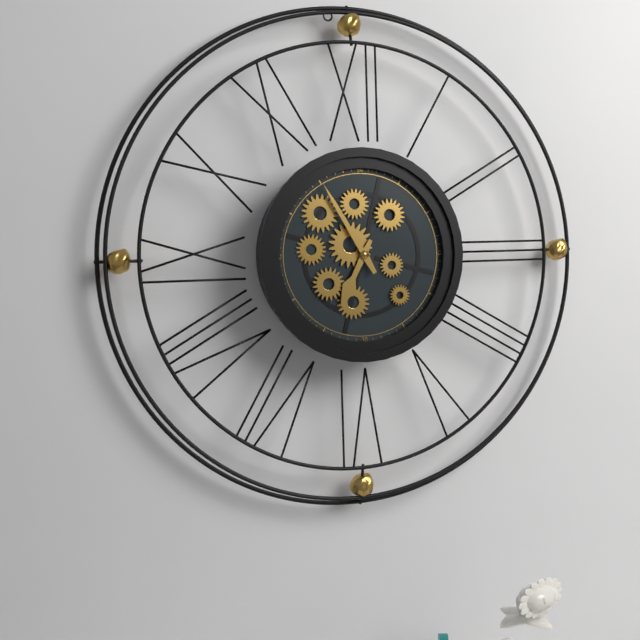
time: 6:55
